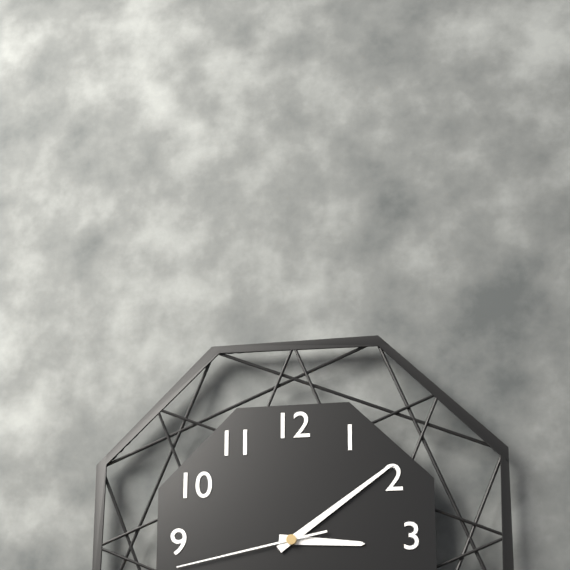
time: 3:09:43
